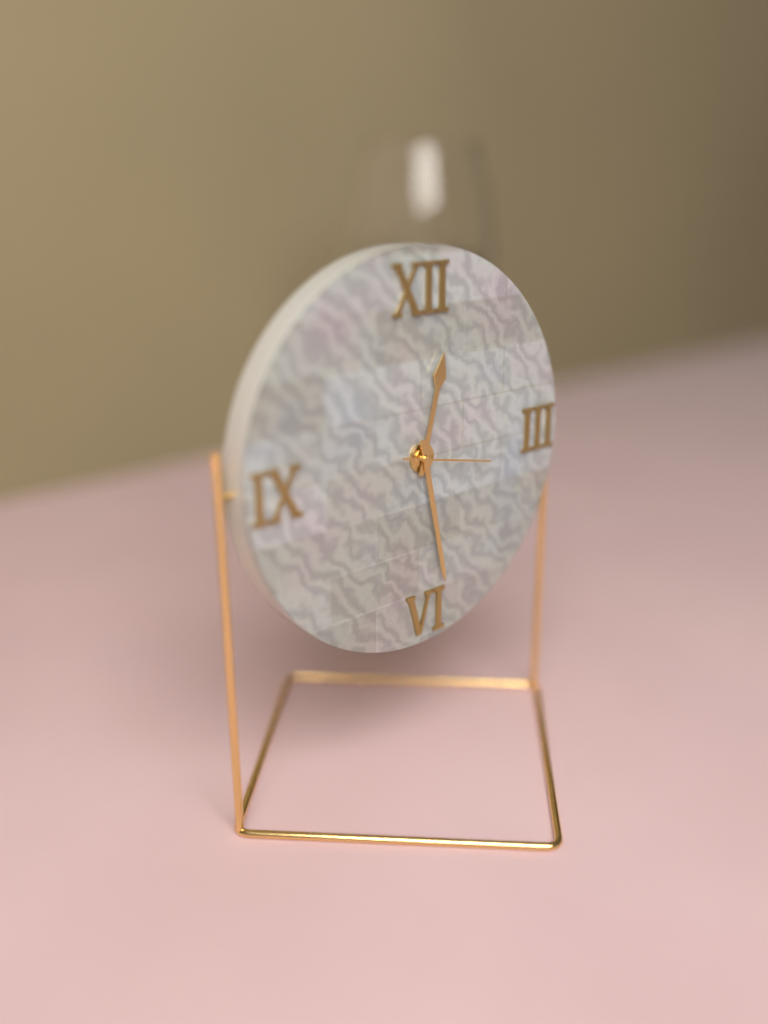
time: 12:28:17
